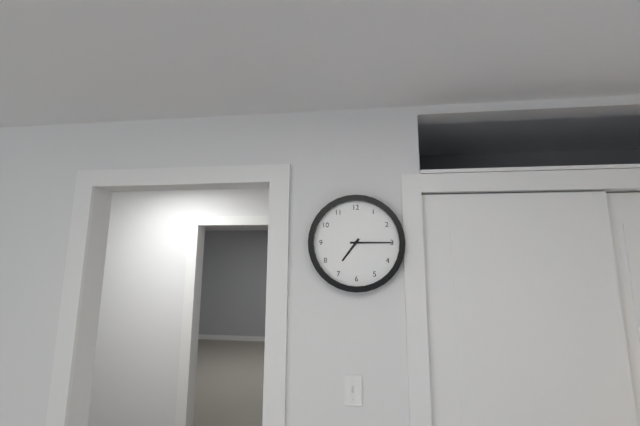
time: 7:15
